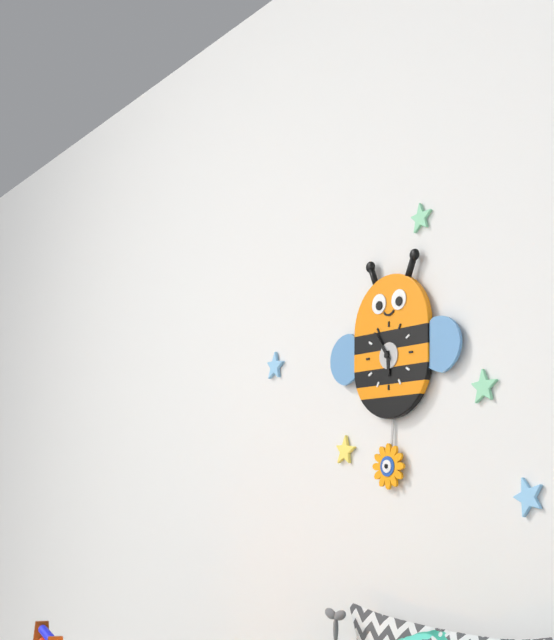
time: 5:54
